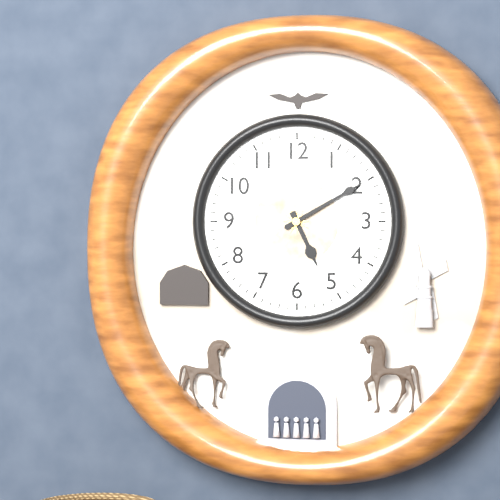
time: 5:10
